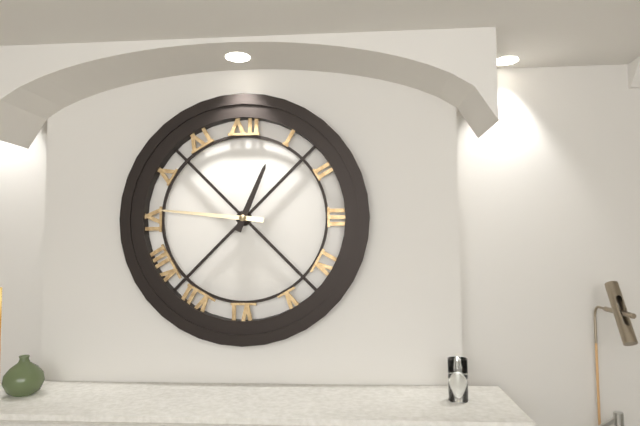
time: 12:46
